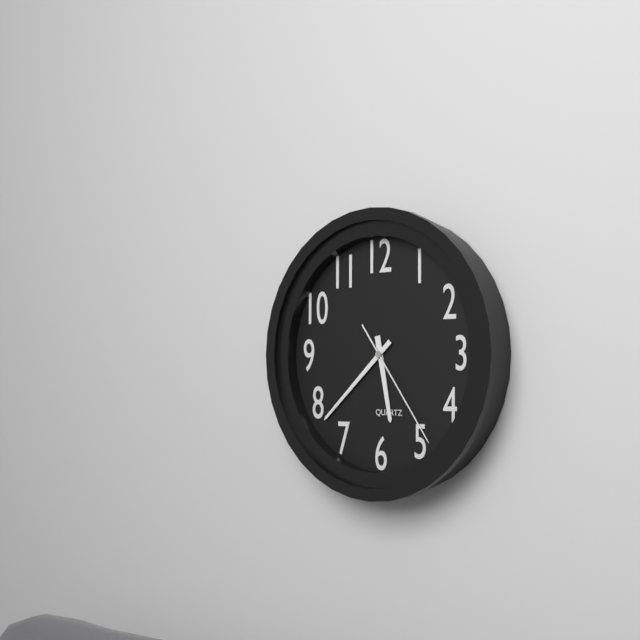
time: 5:38:24
